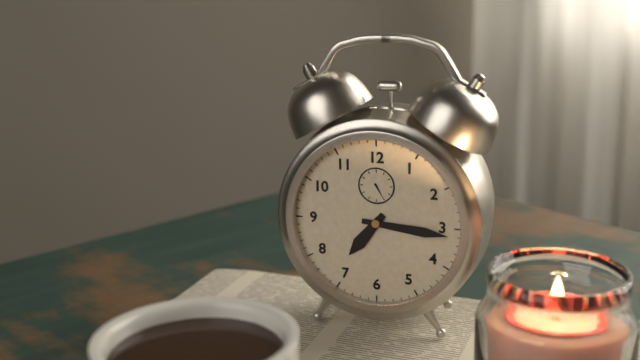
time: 7:16
